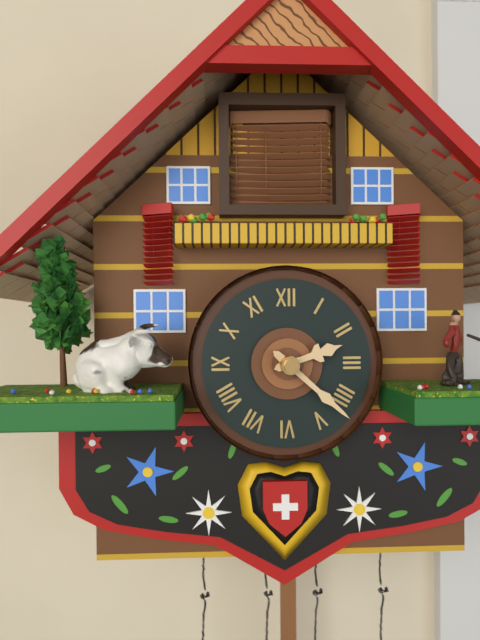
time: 2:22
